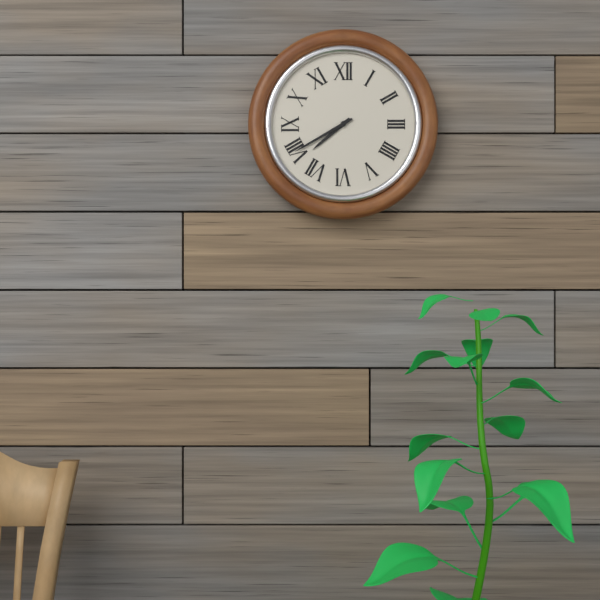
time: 7:40
